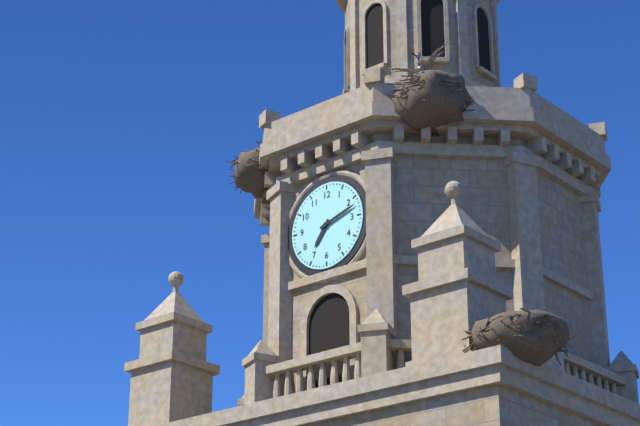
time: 7:12
